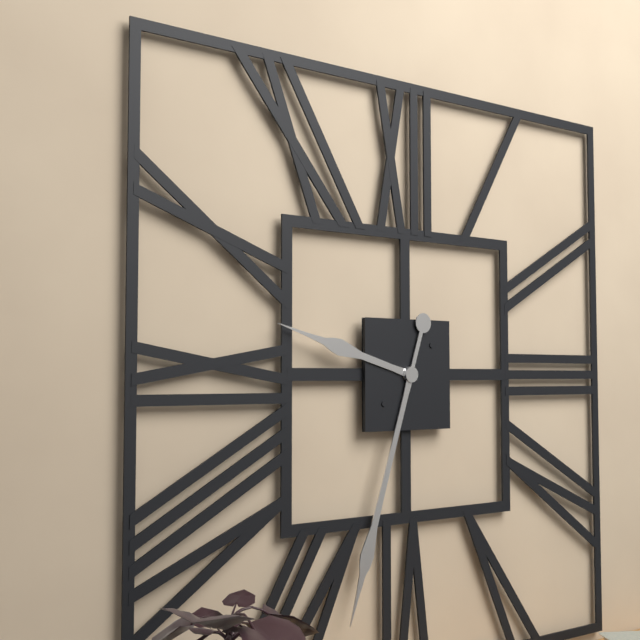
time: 9:33
